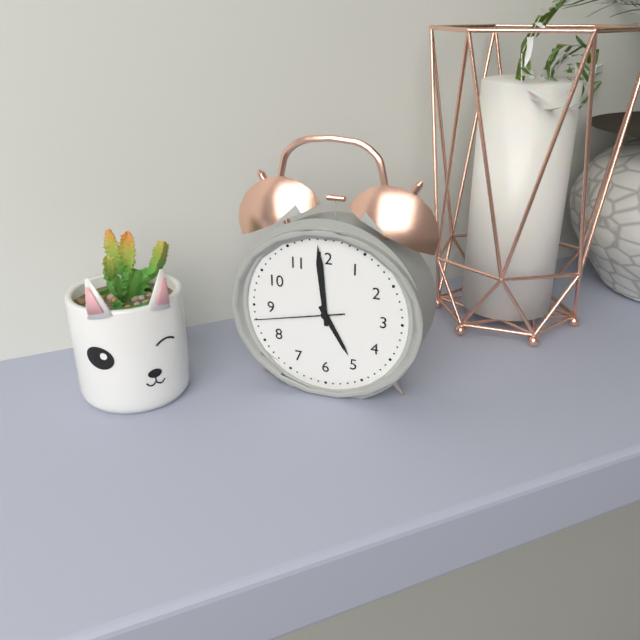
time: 4:59:43
